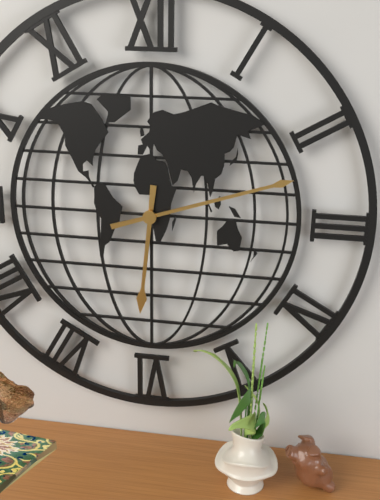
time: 6:12
